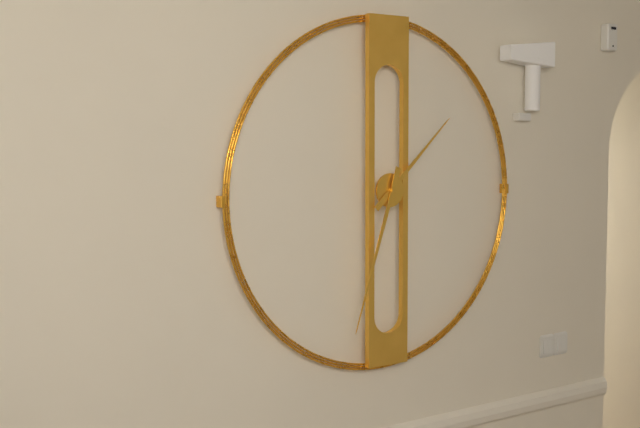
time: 1:33
